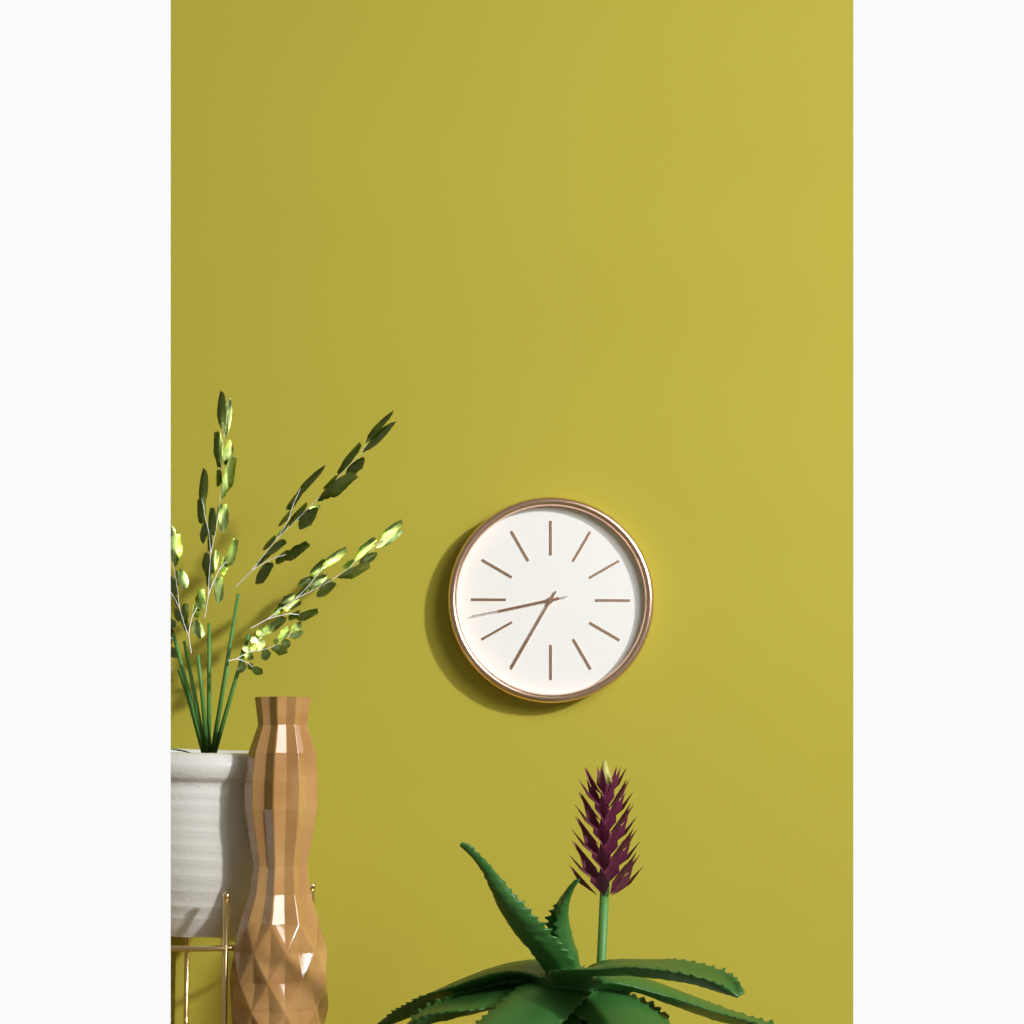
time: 8:35:43
